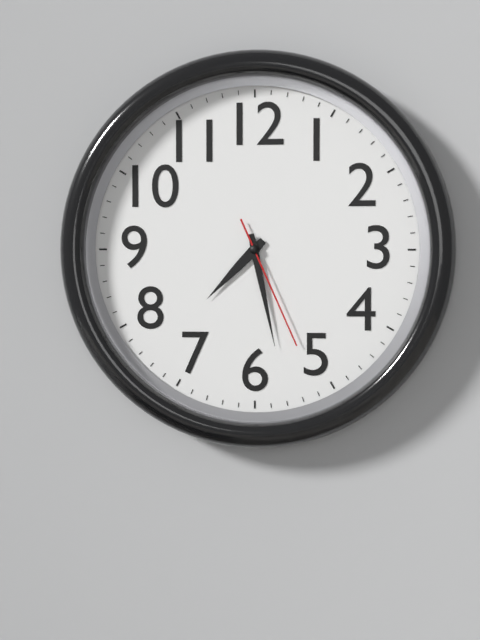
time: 7:28:26
